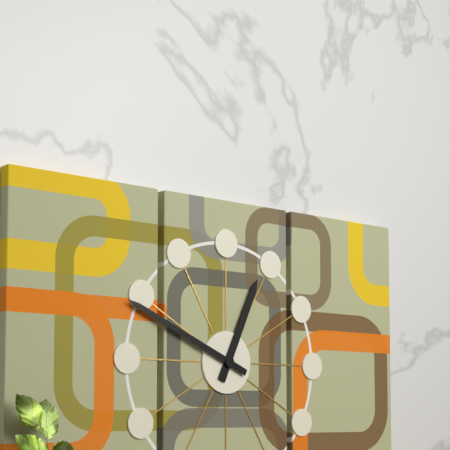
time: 12:49
